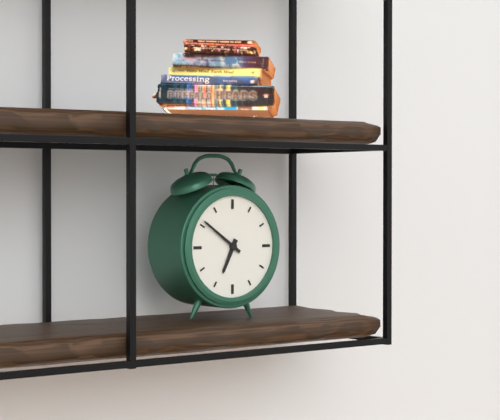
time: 6:51
